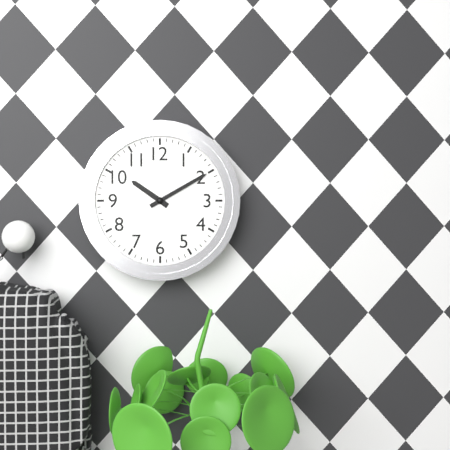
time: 10:10
